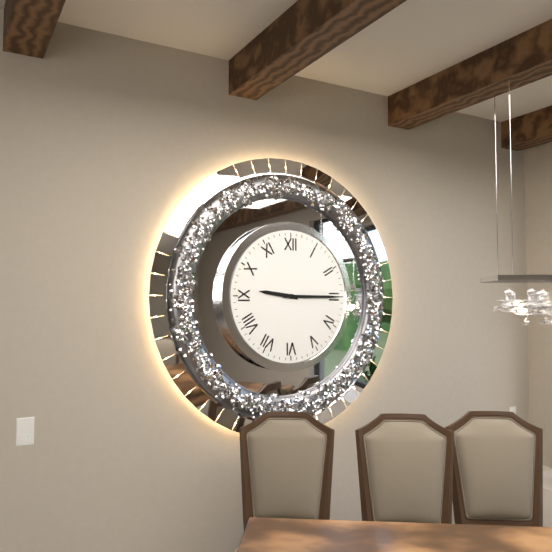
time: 9:15
